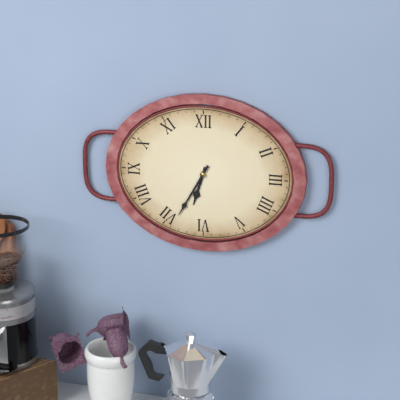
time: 6:35
